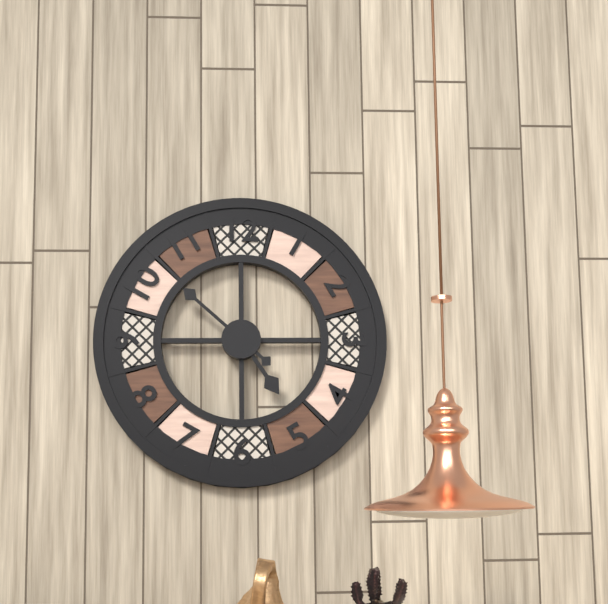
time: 4:52
